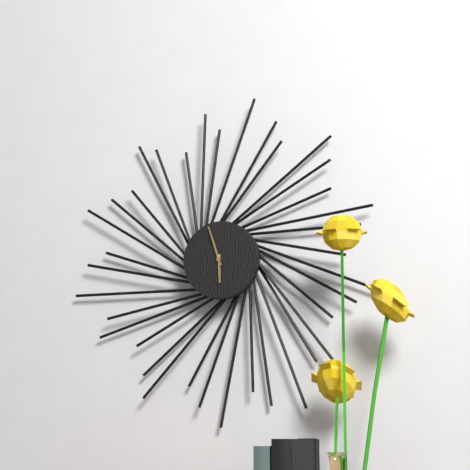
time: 5:57
